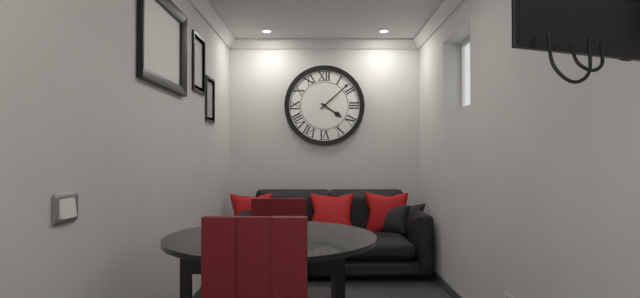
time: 4:08
